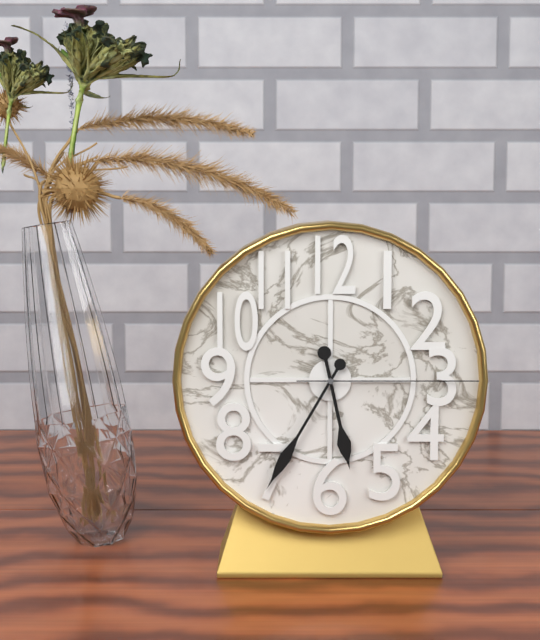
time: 5:35:15
